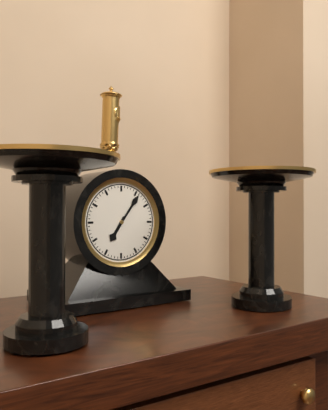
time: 7:06
